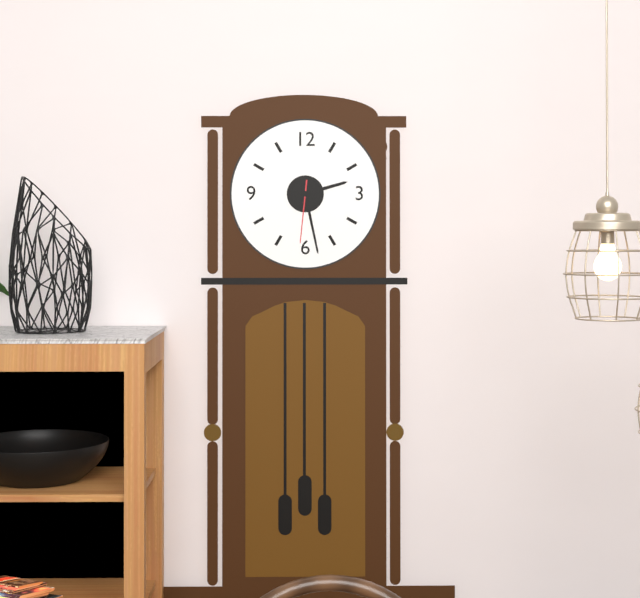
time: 2:28:31
